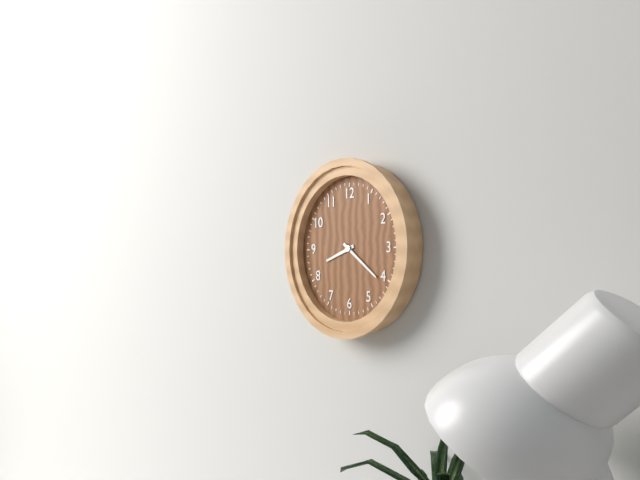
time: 8:21
